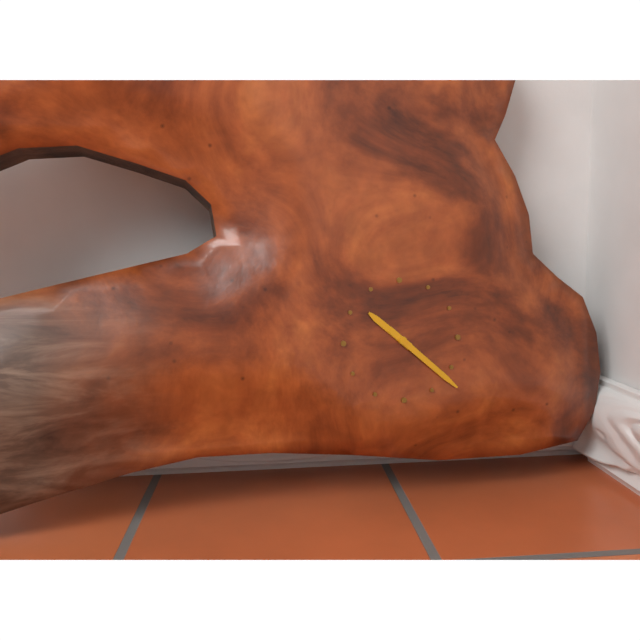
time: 10:22
